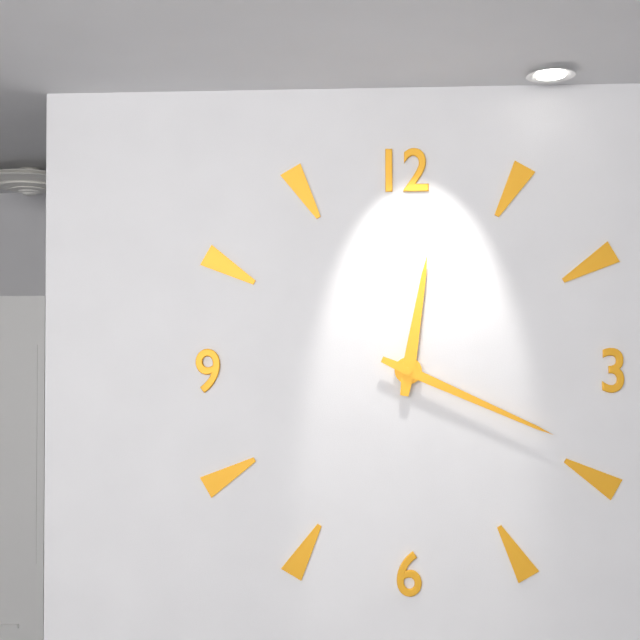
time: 12:19
